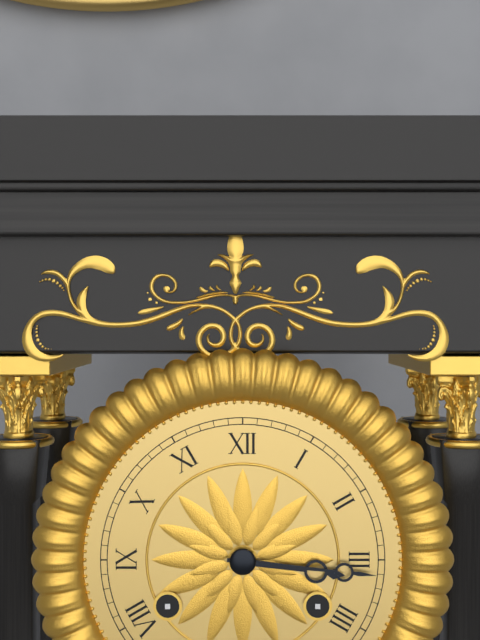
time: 3:16
